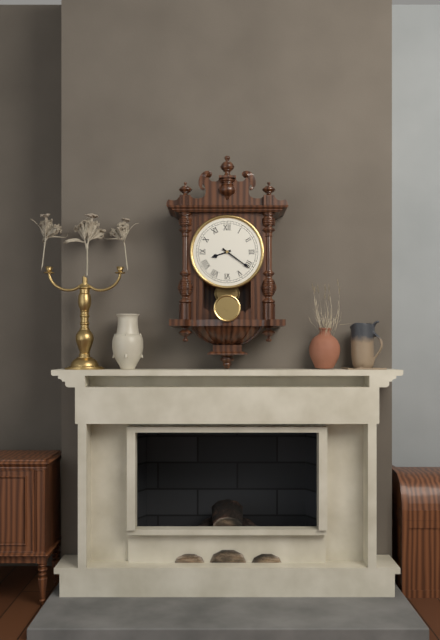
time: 8:21
